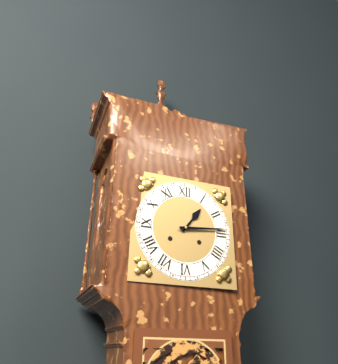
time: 1:14
